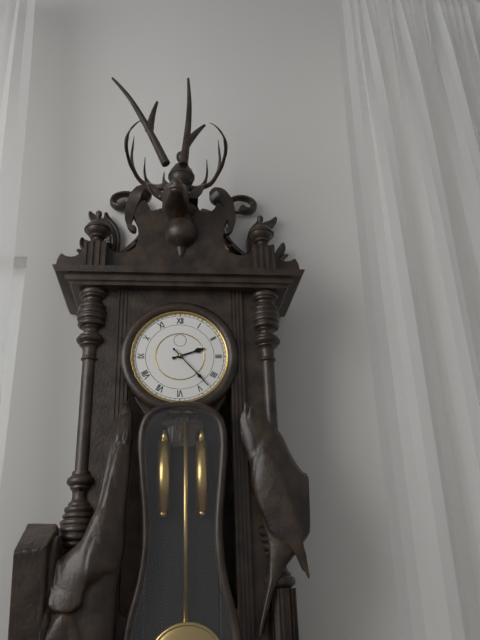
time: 2:23
